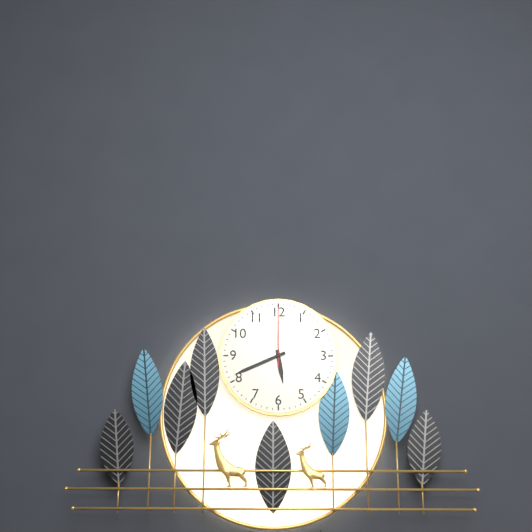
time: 5:41:00
